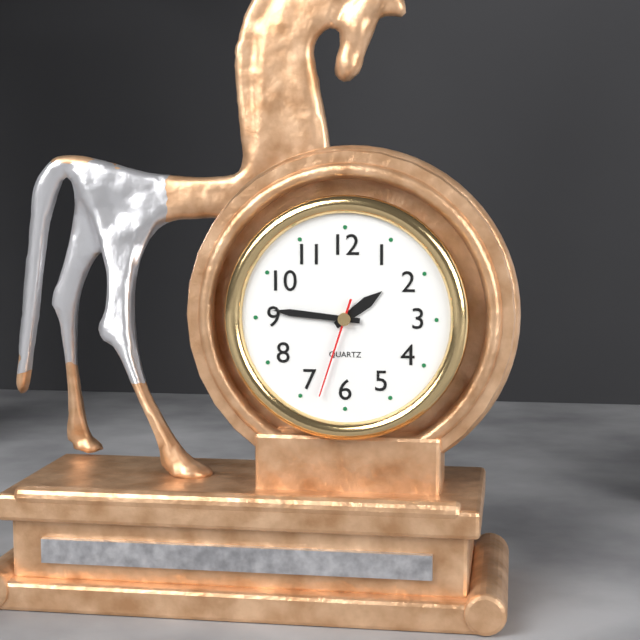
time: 1:46:33
